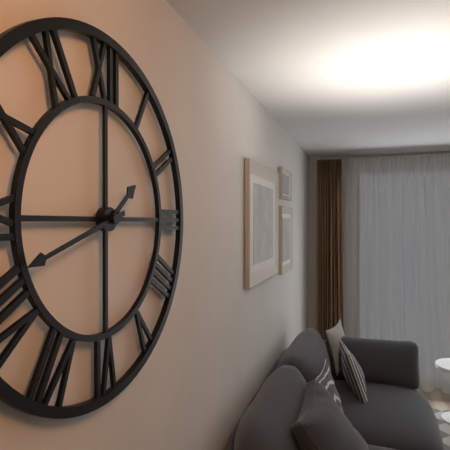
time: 1:42
